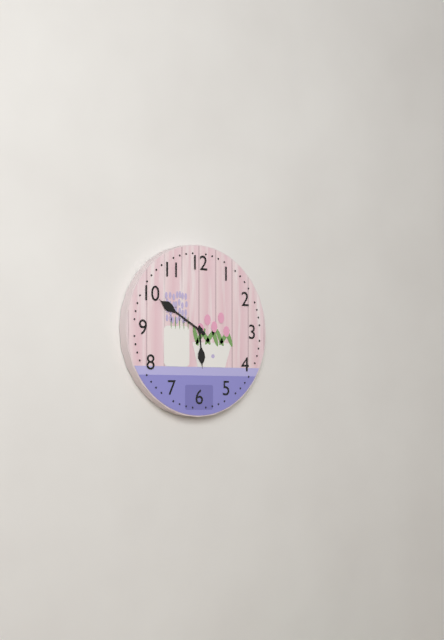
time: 5:50
